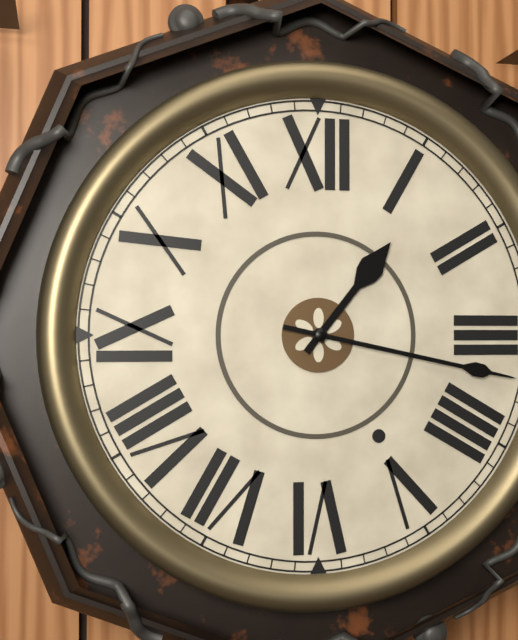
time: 1:17
